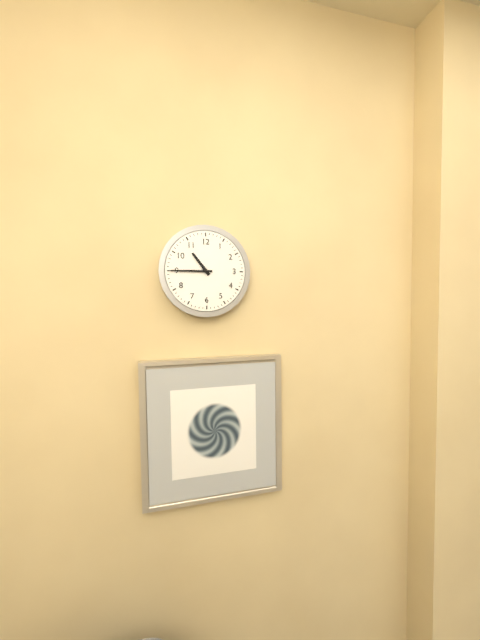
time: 10:45
